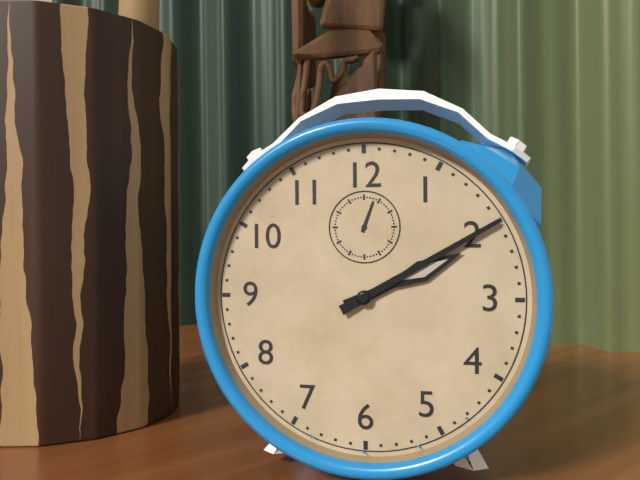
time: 2:10
